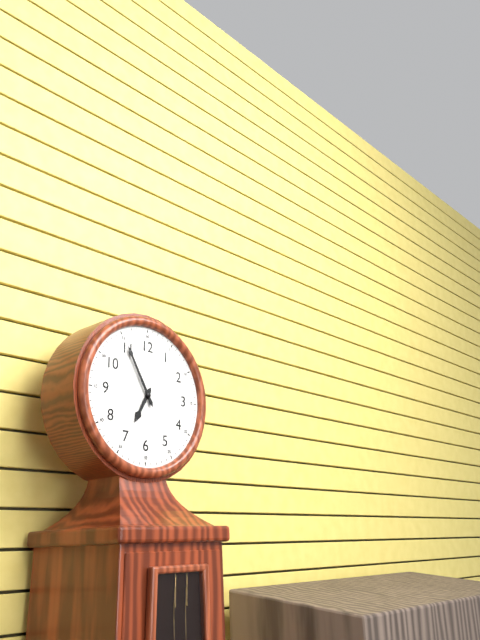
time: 6:55
